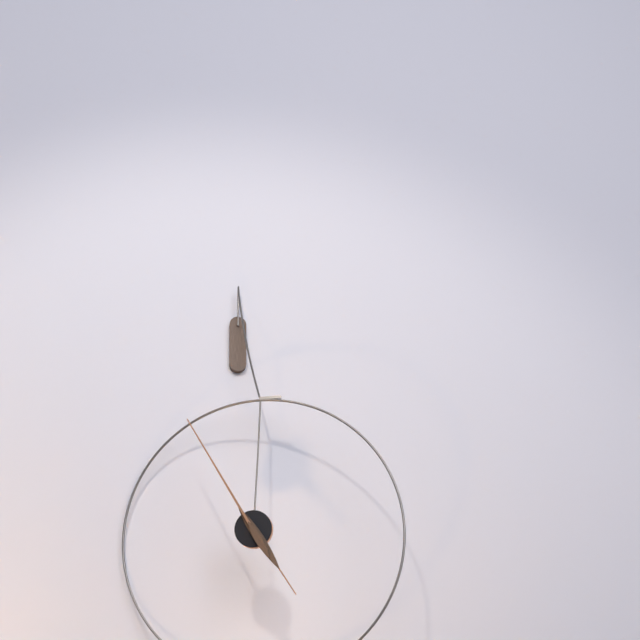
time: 4:55
